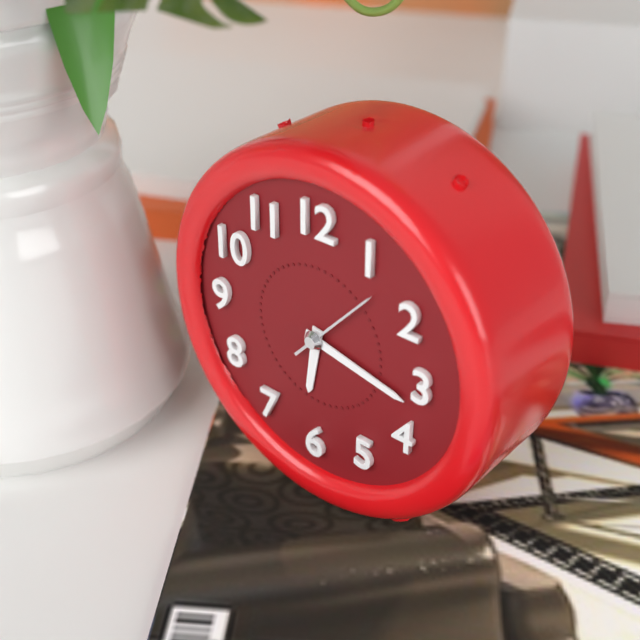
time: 6:17:07
